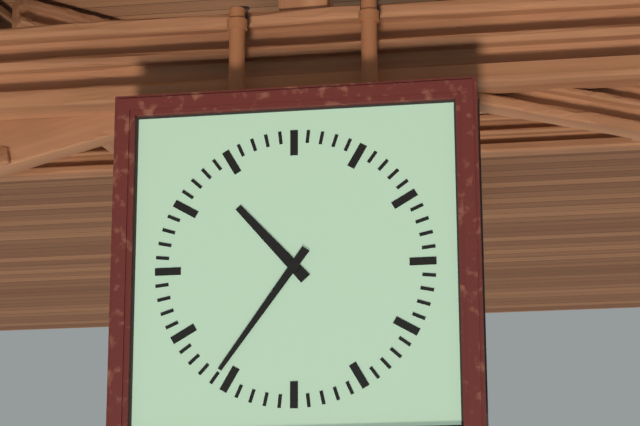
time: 10:36
